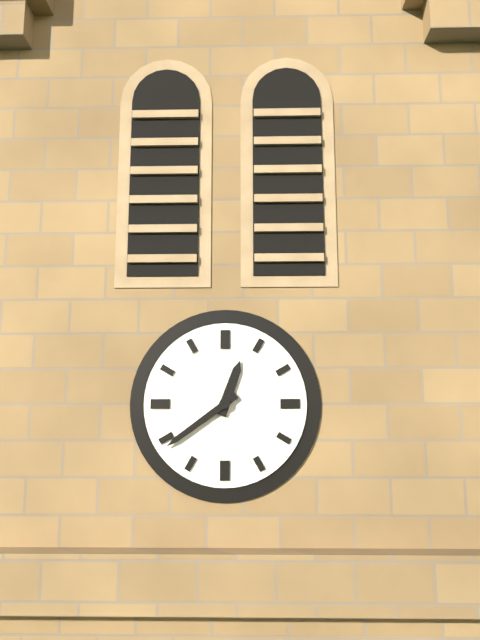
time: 12:39
